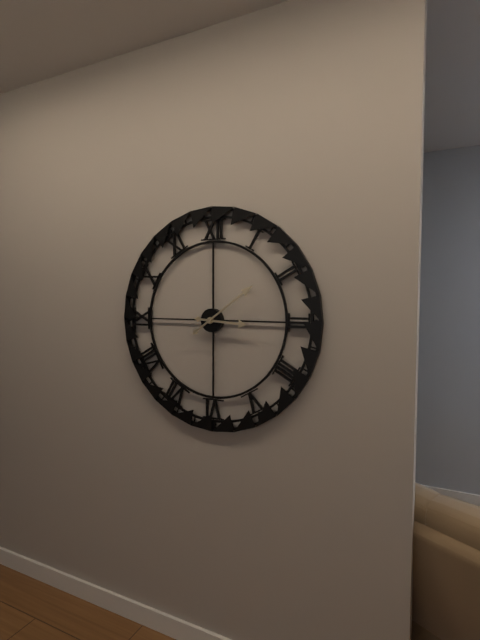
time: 3:09
